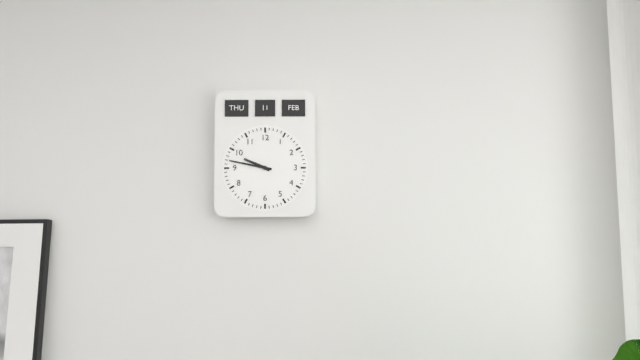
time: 9:47
